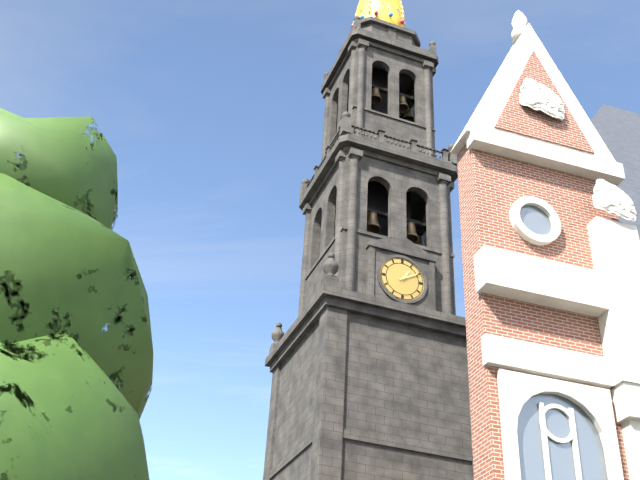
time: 1:10
